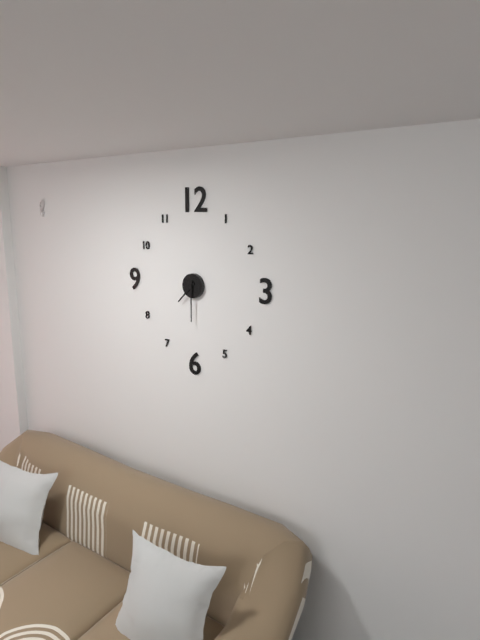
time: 7:30
